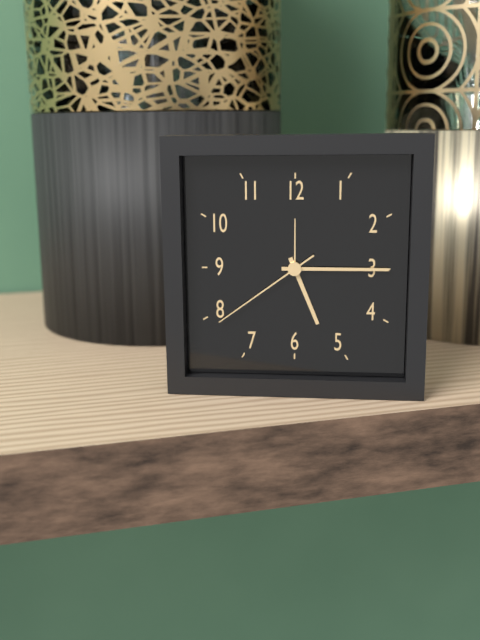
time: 5:15:39
